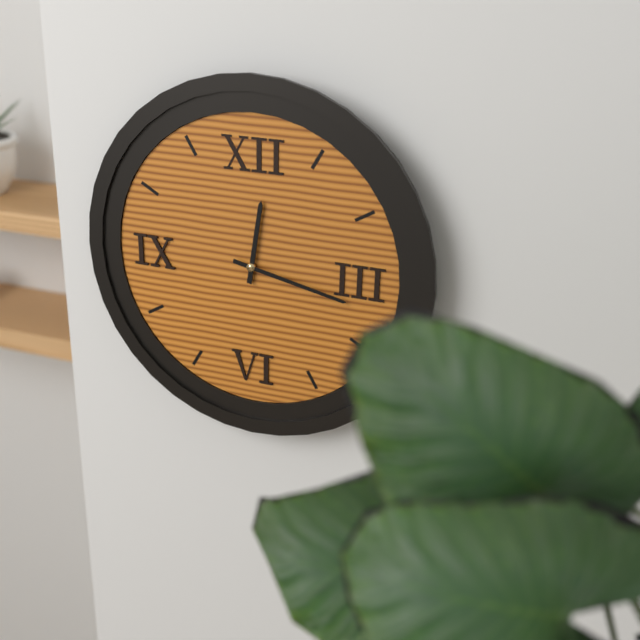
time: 12:17
